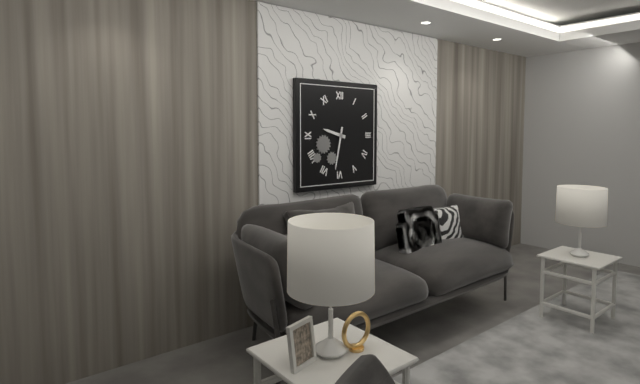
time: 9:32
